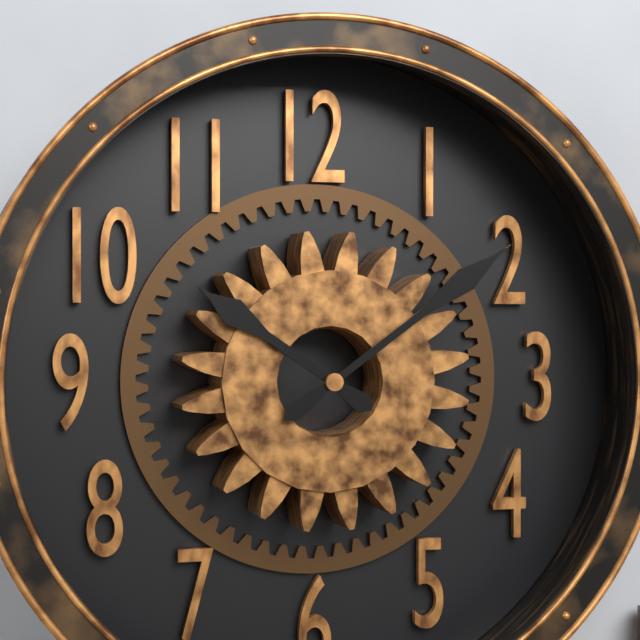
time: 10:09
